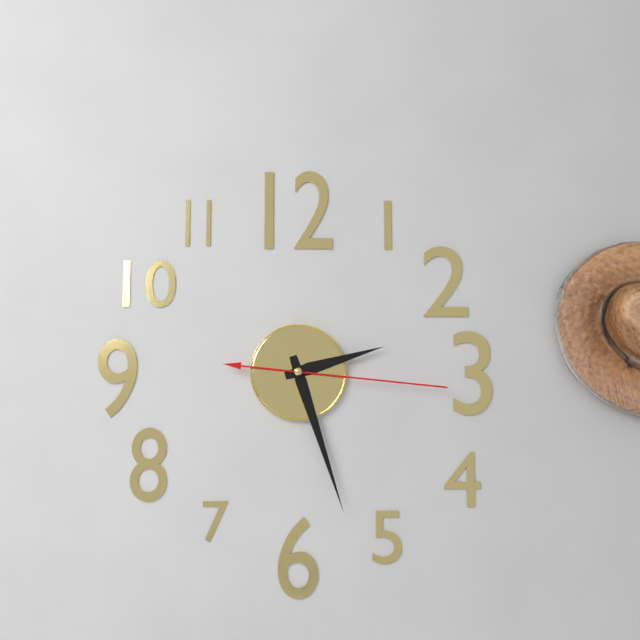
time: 2:27:16
